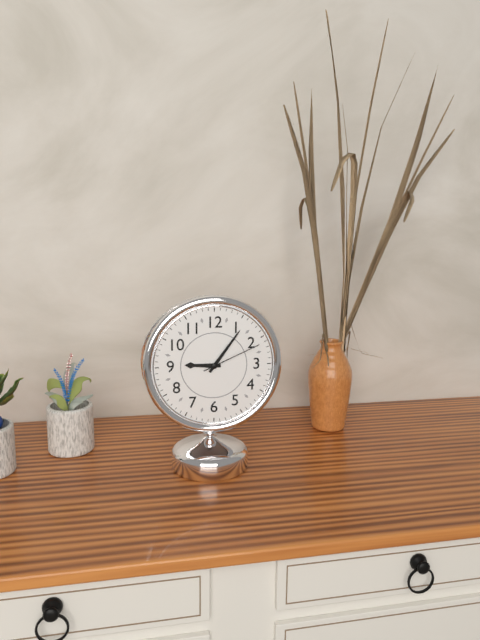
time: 9:06:11
